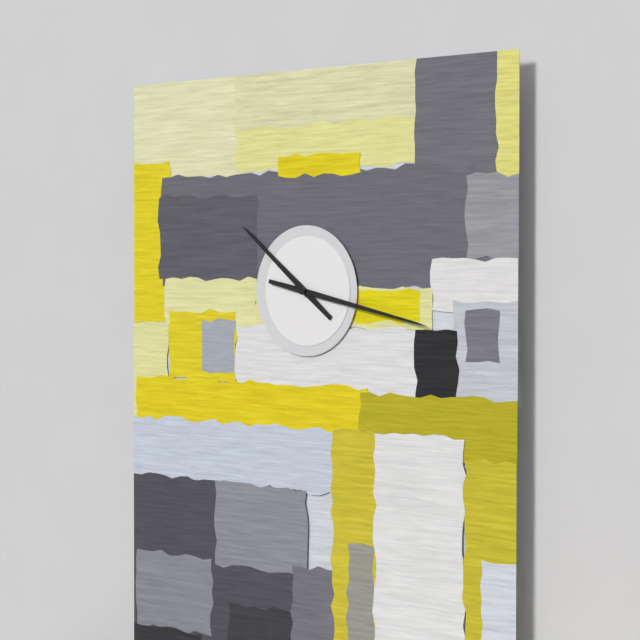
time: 10:17
